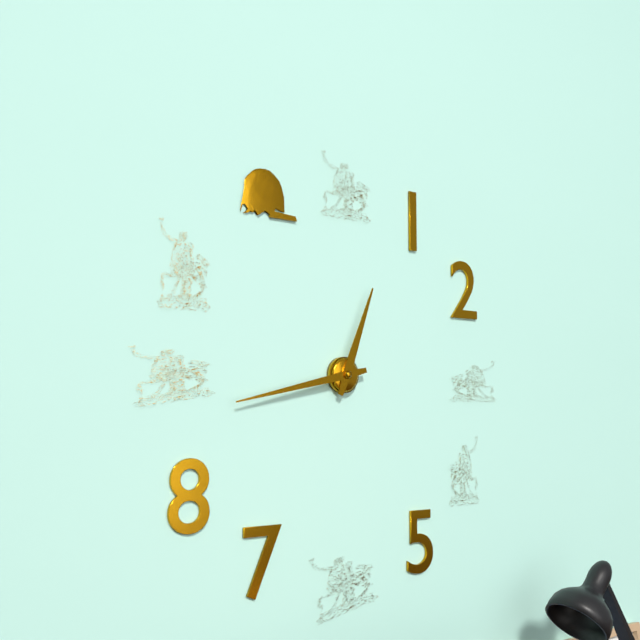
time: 12:43
